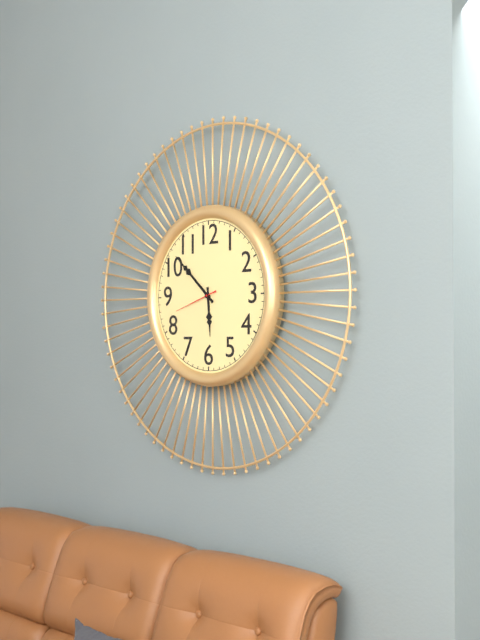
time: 5:52:42
